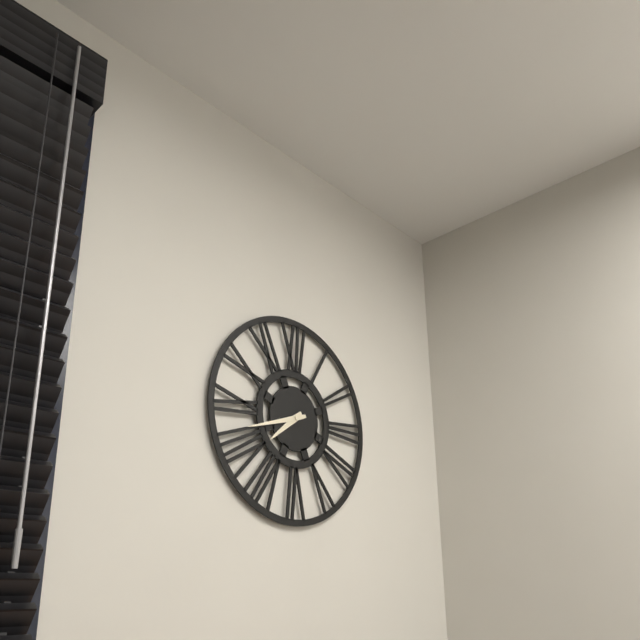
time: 7:42
